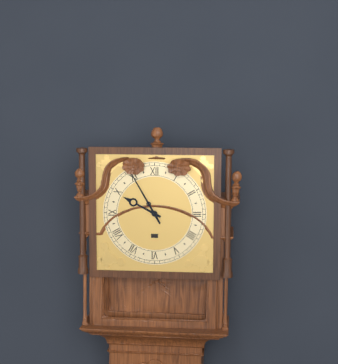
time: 9:55
